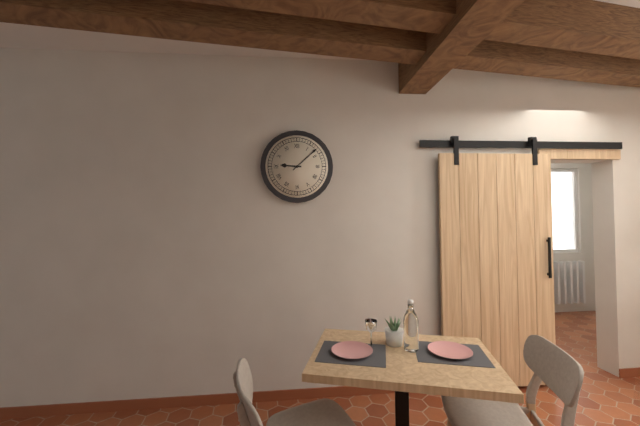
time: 9:08
